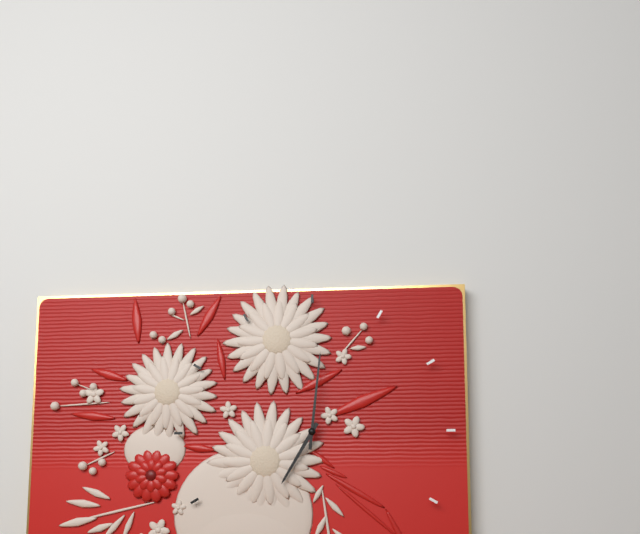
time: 7:01
